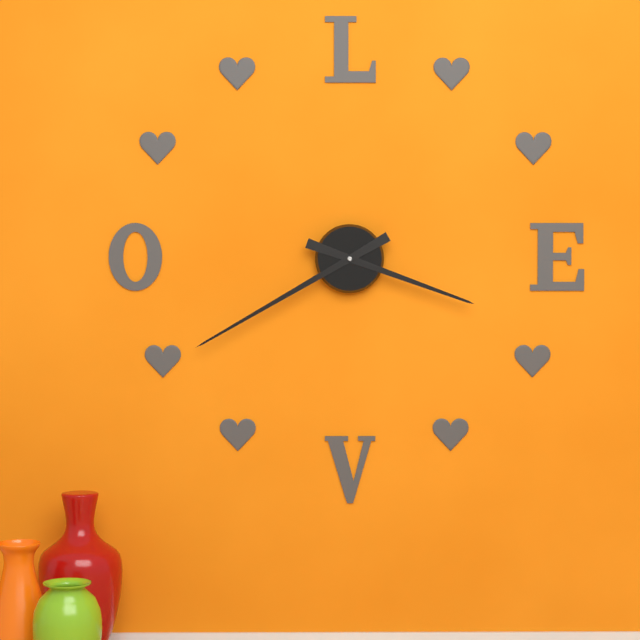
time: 3:40
